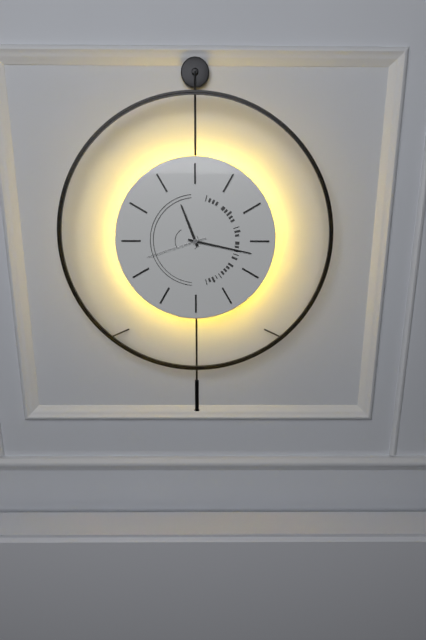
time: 11:17:42
